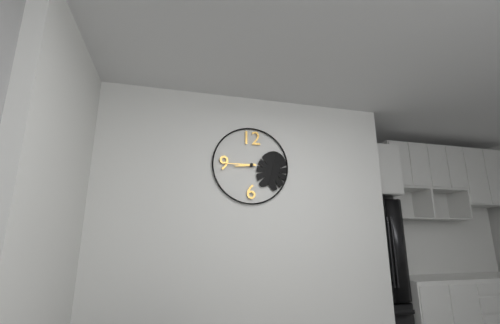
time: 8:45
